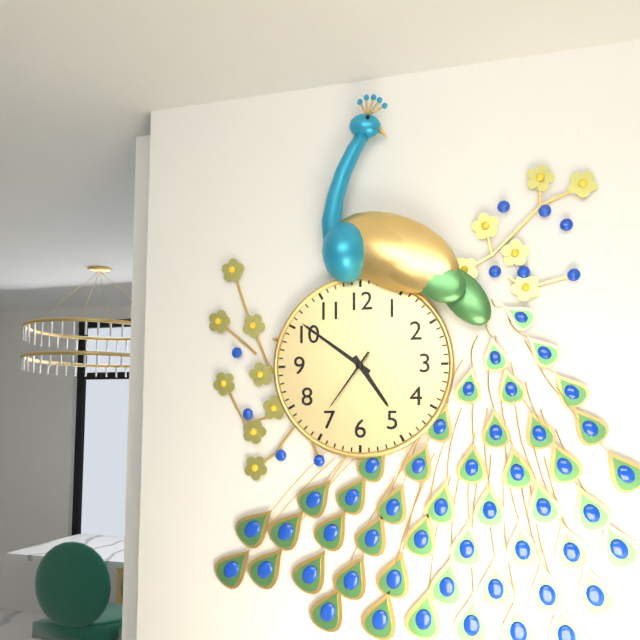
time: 4:51:36
